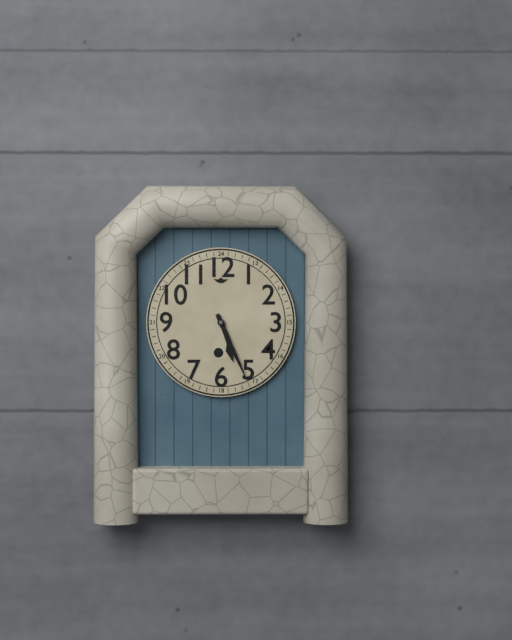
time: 5:26
